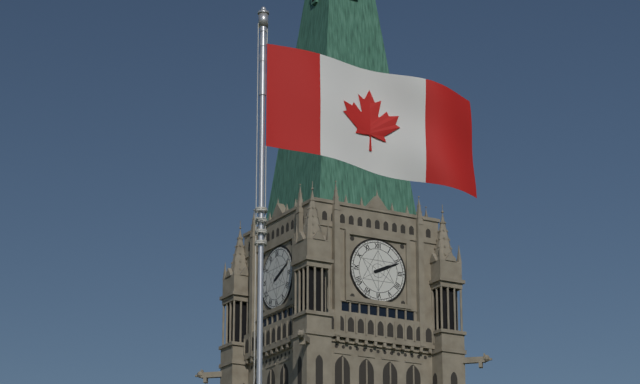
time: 2:11
